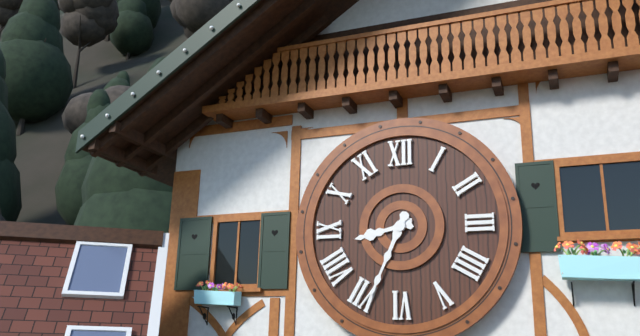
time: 8:34
